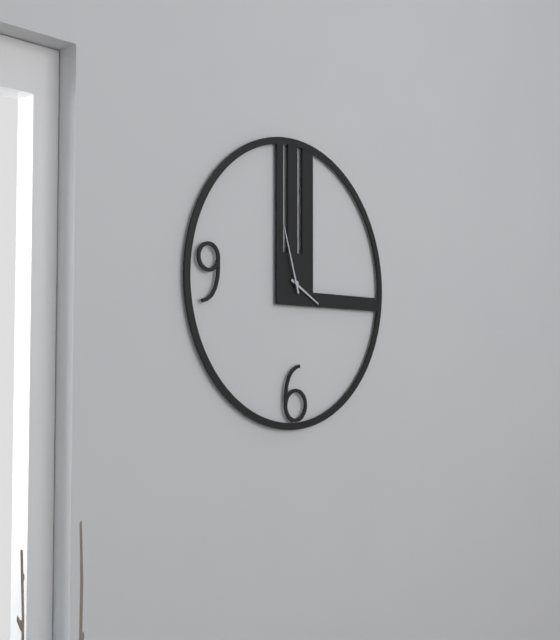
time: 3:57
